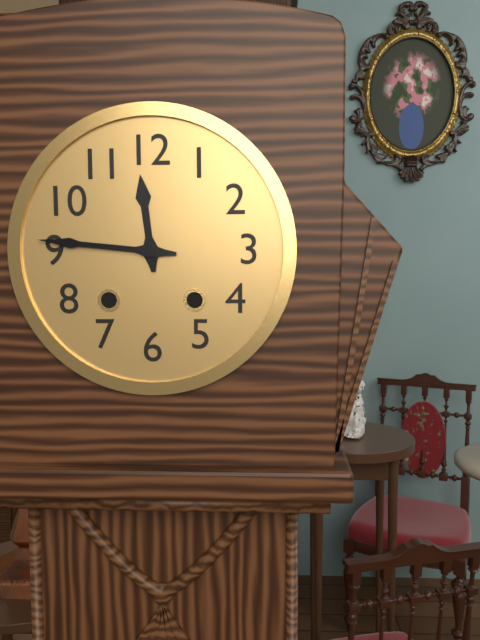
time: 11:46
